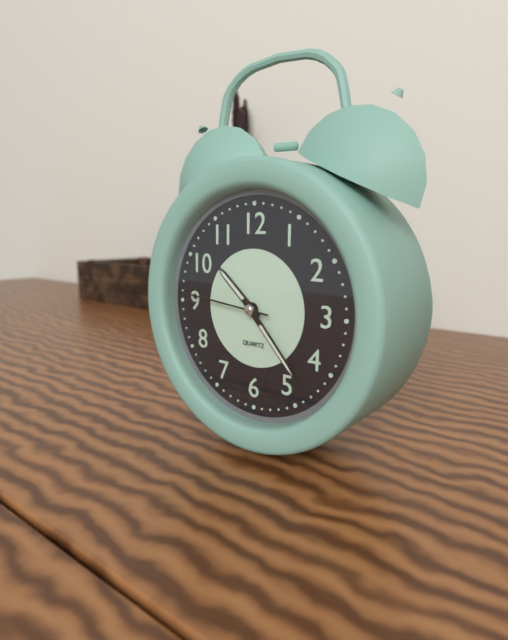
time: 10:23:46
